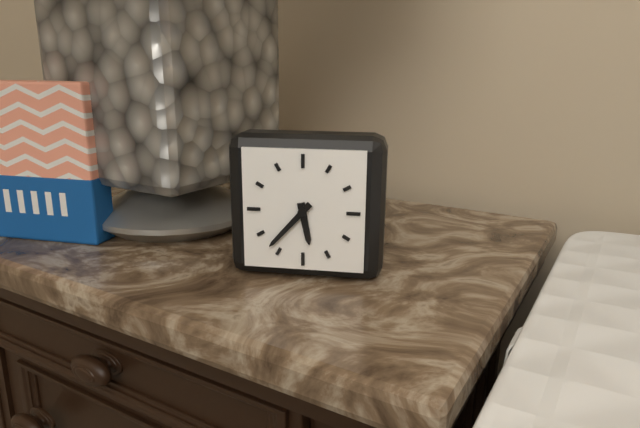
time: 5:37
